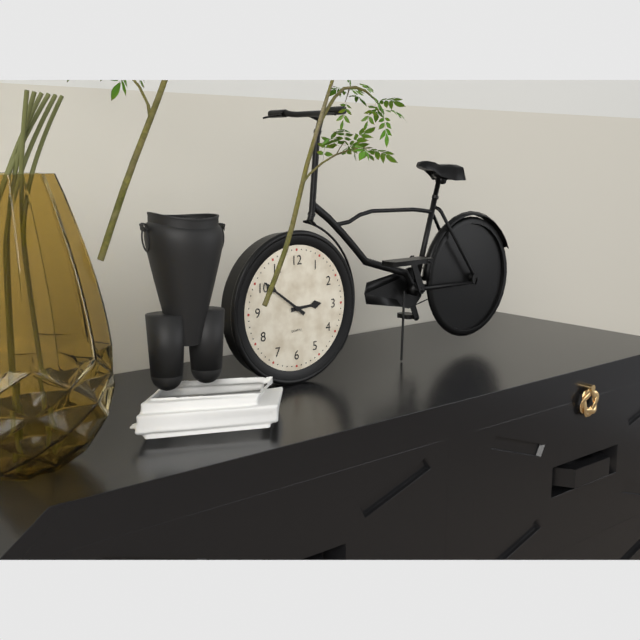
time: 2:51
